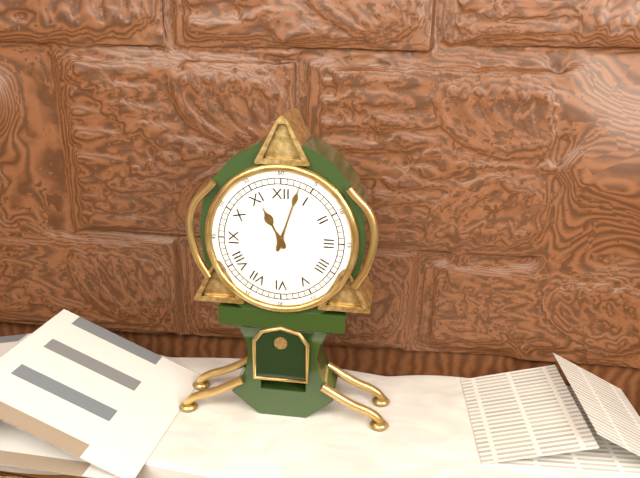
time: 11:03
